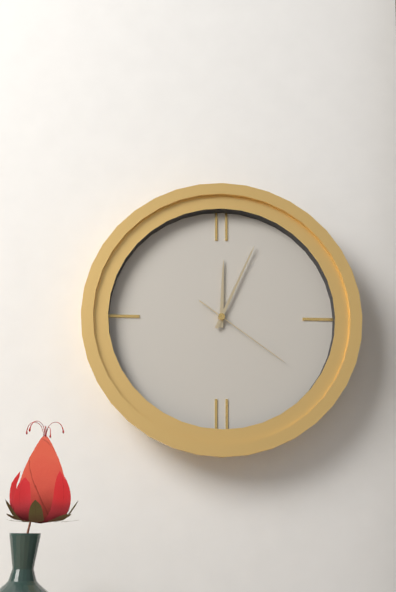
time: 12:04:21
